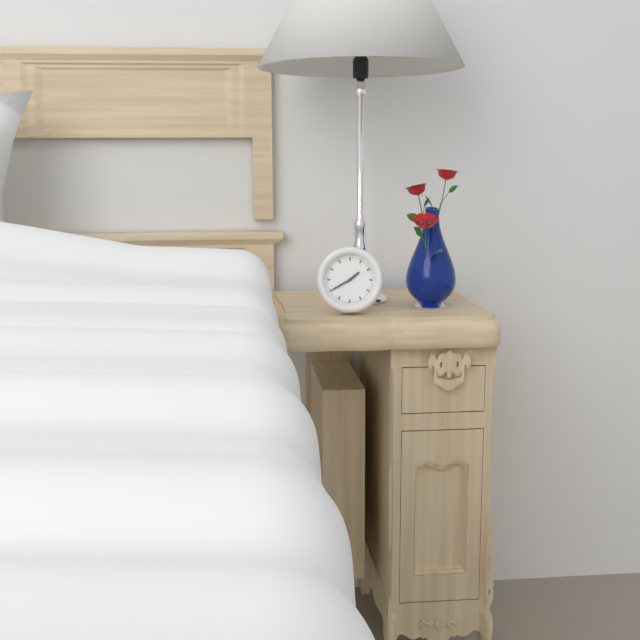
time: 1:40
